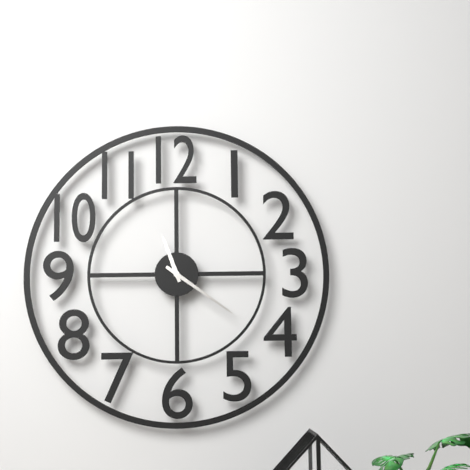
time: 11:21
